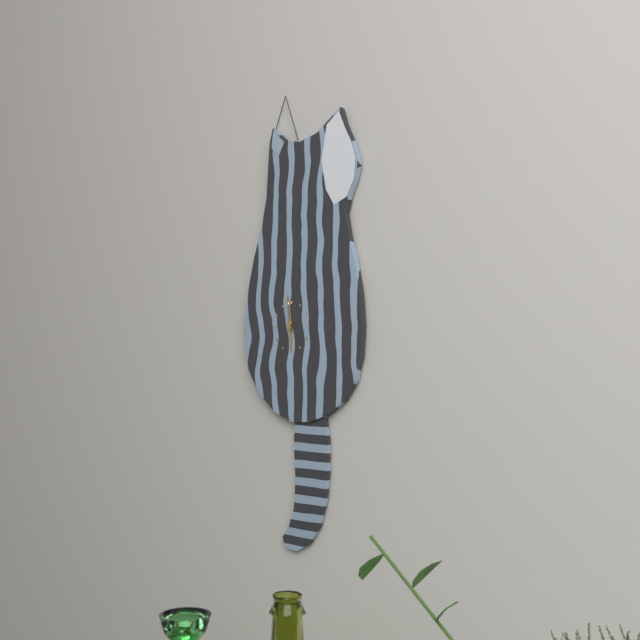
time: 5:59
